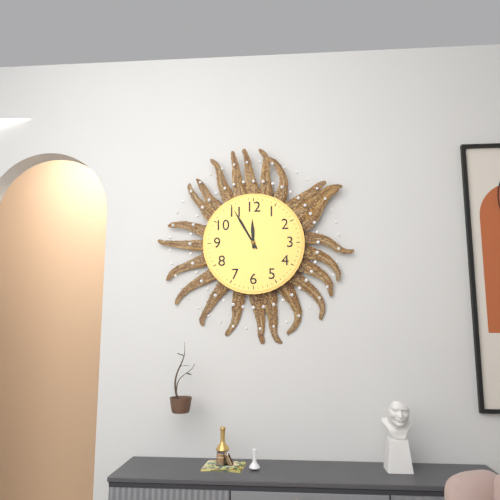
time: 11:55
